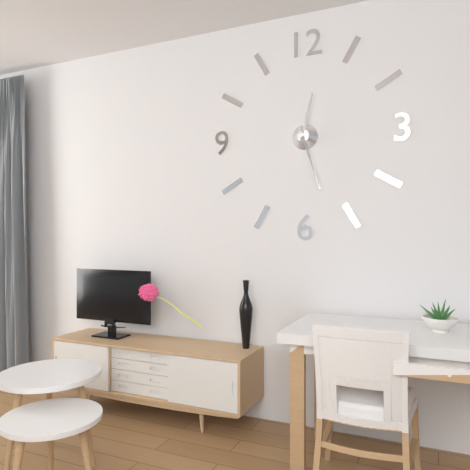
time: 12:27
